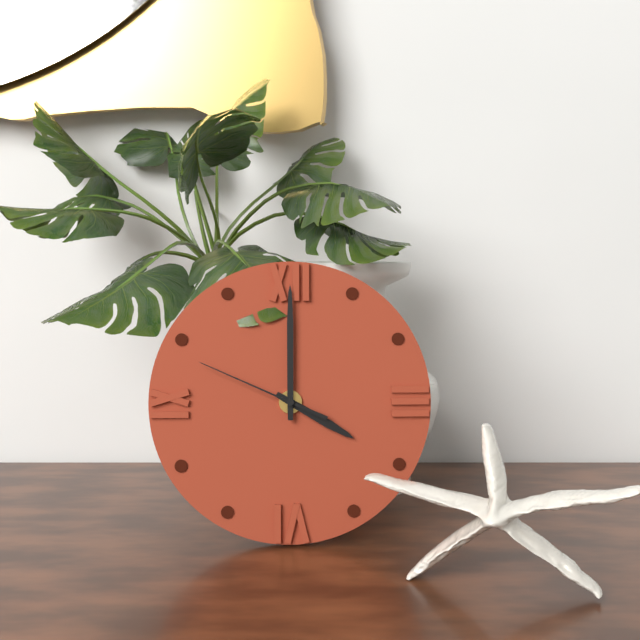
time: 4:00:49
